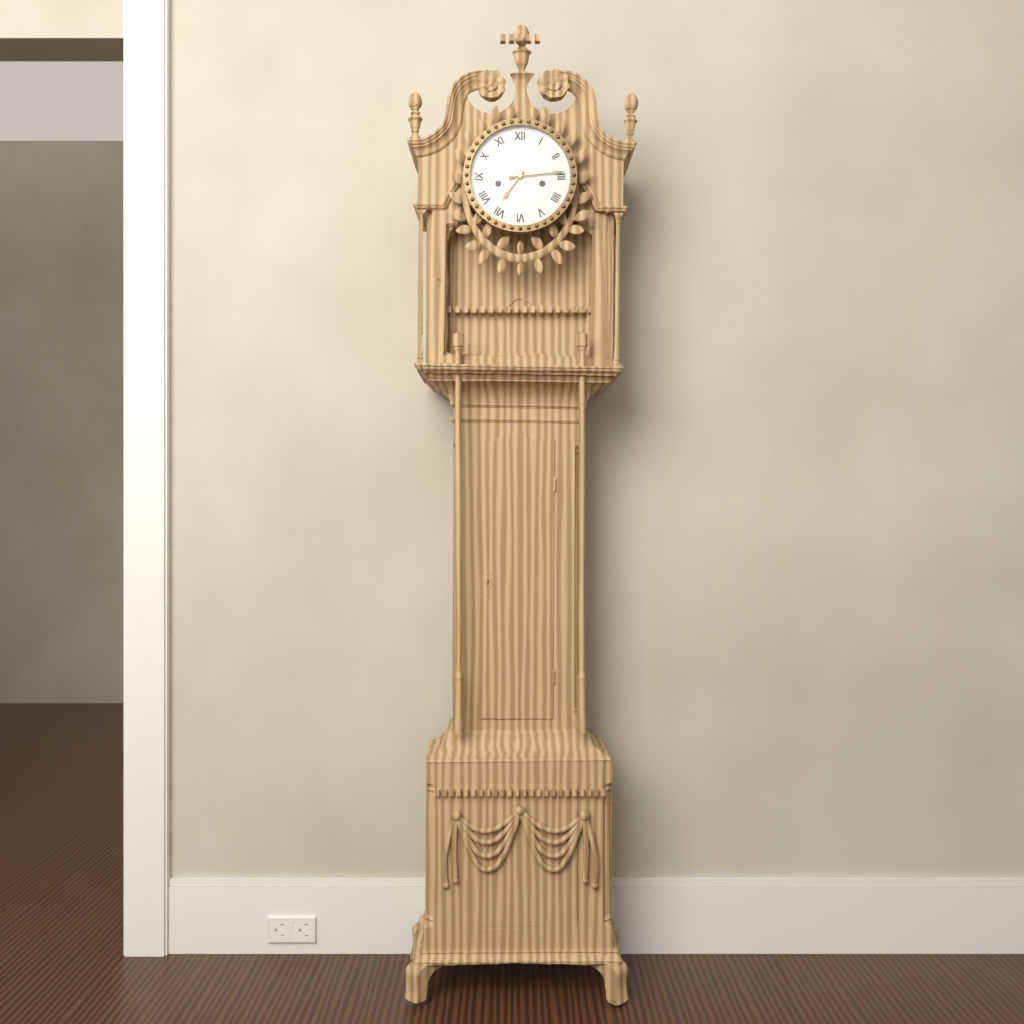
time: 7:14
